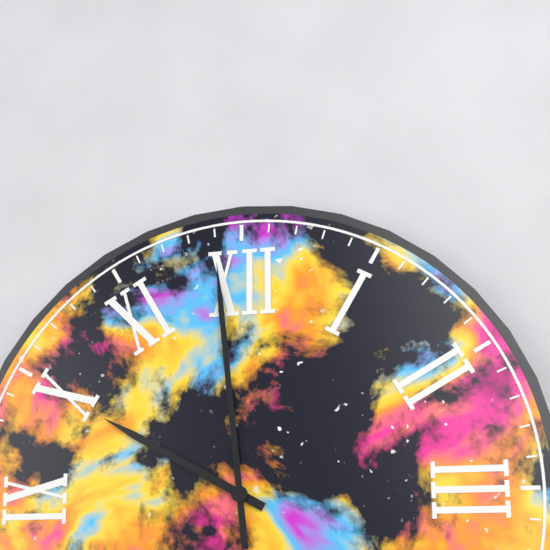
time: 9:59
